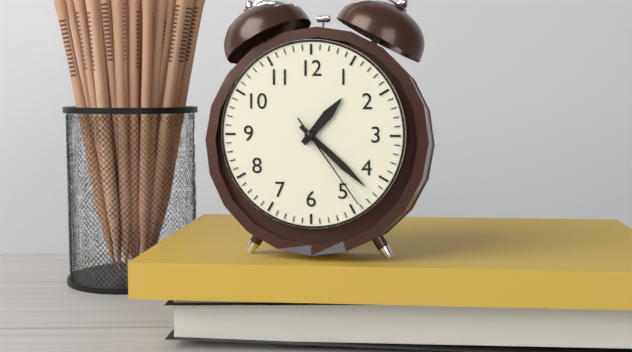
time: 1:22:24
